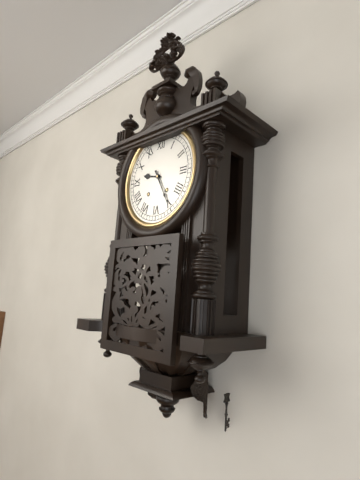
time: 9:25
